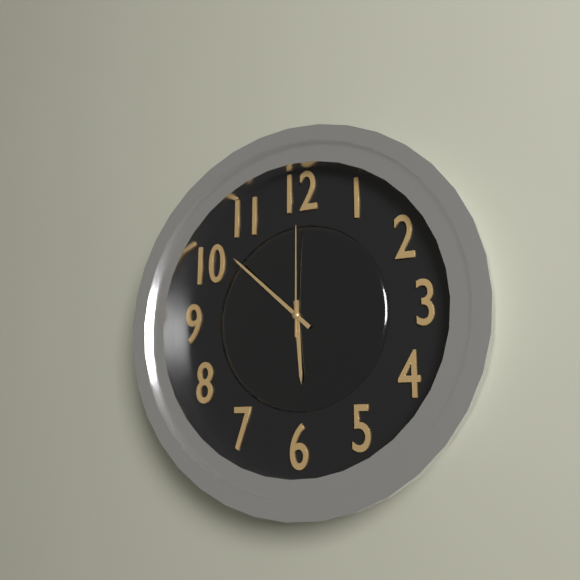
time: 5:52:00
